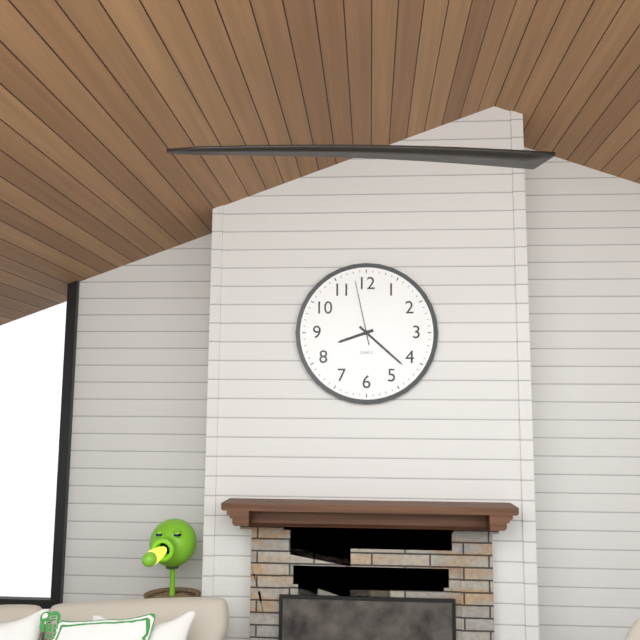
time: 8:22:58
